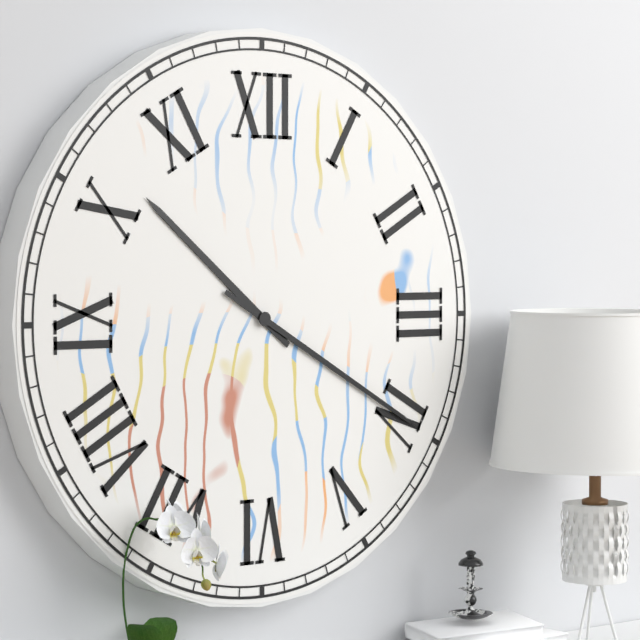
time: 10:20
